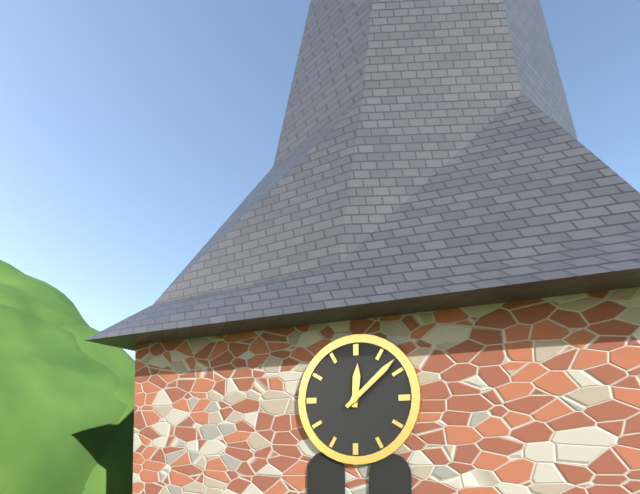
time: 12:08
